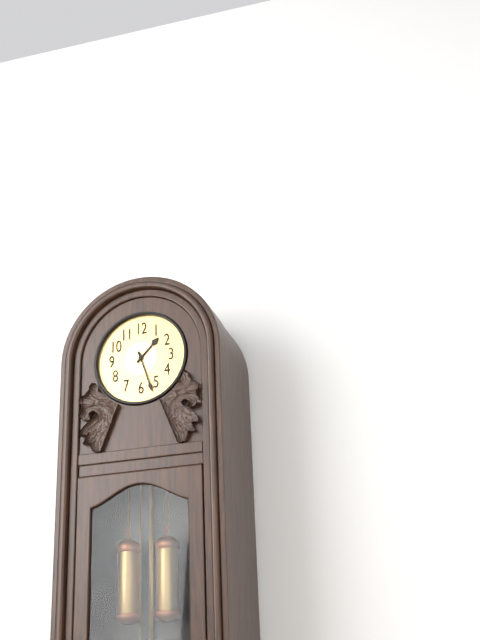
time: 1:27
